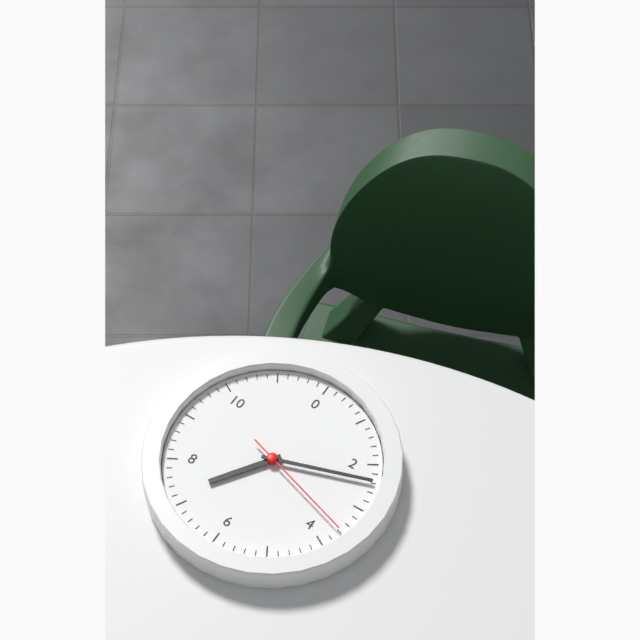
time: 7:12:18
